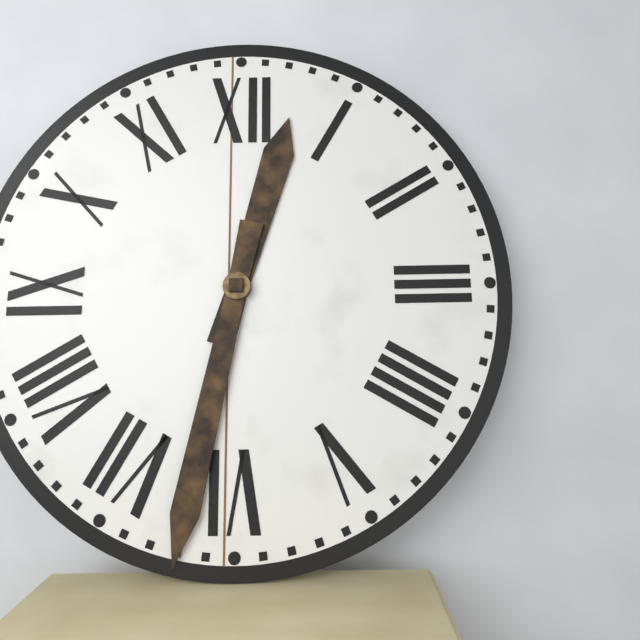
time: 12:32
